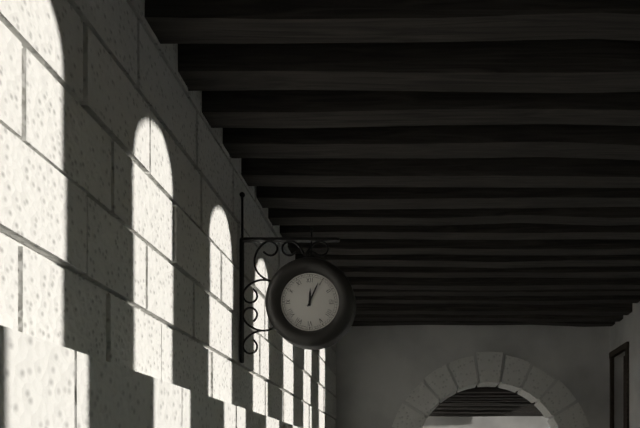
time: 12:04
